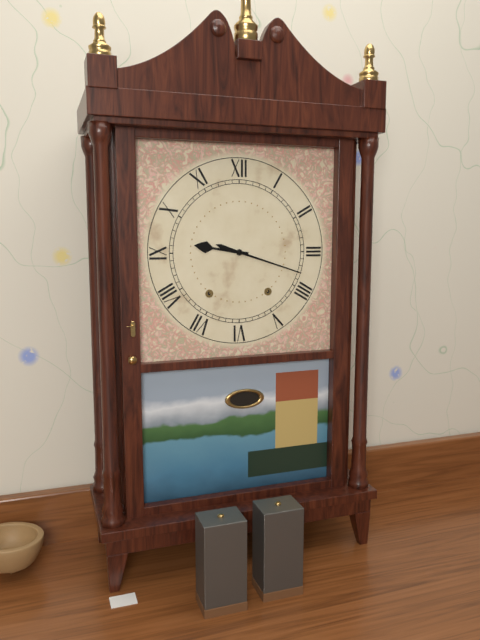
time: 9:18
